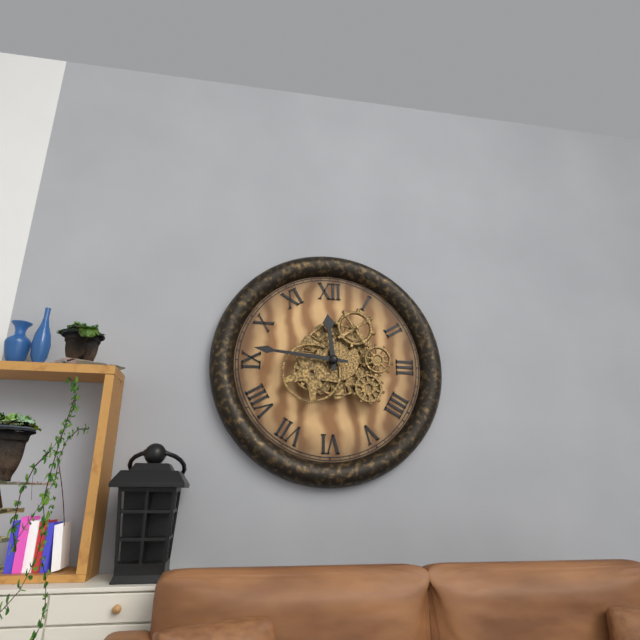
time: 11:46
